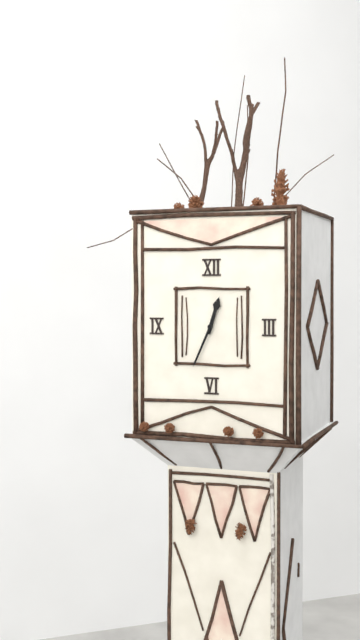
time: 12:34
